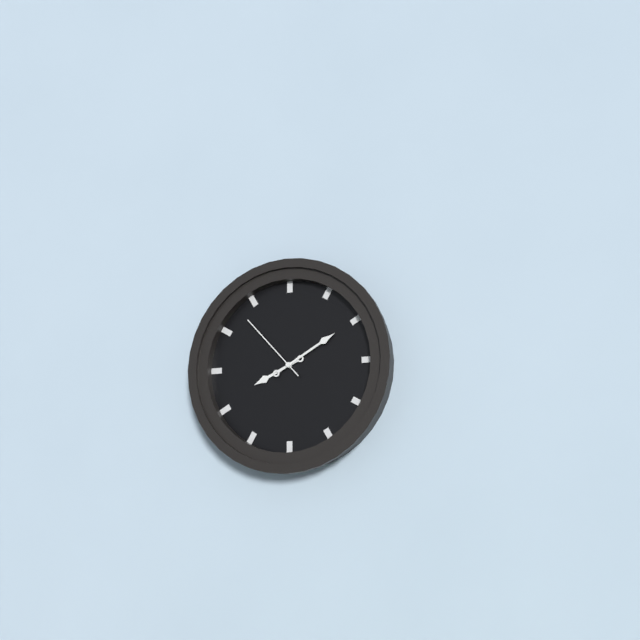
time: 8:10:53
